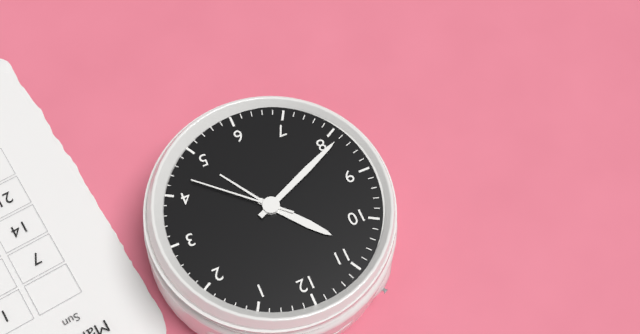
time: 10:41:22
